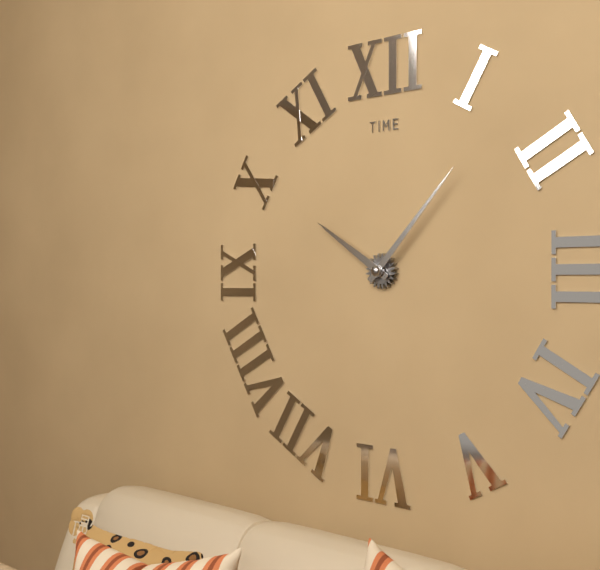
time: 10:07
